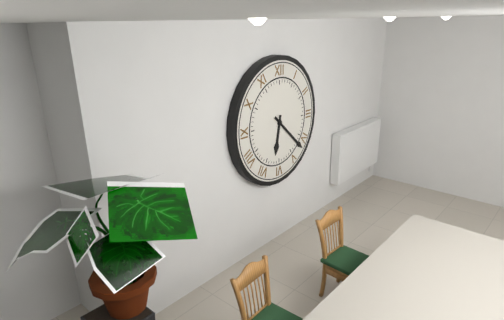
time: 6:22
